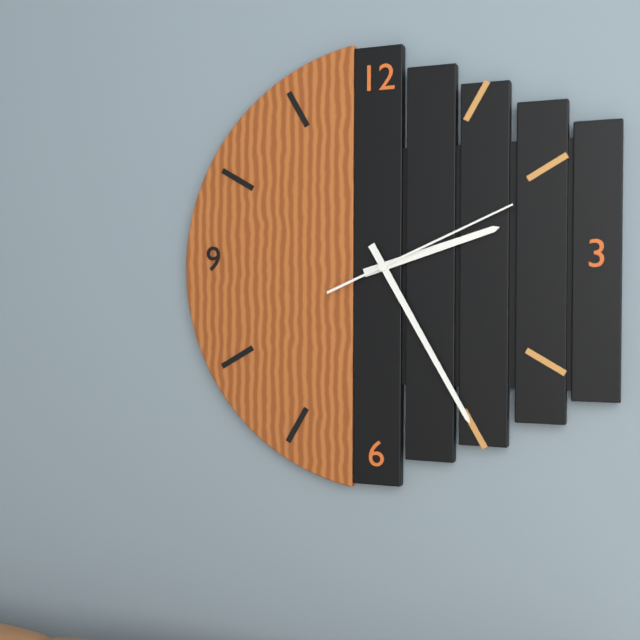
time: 2:25:11
